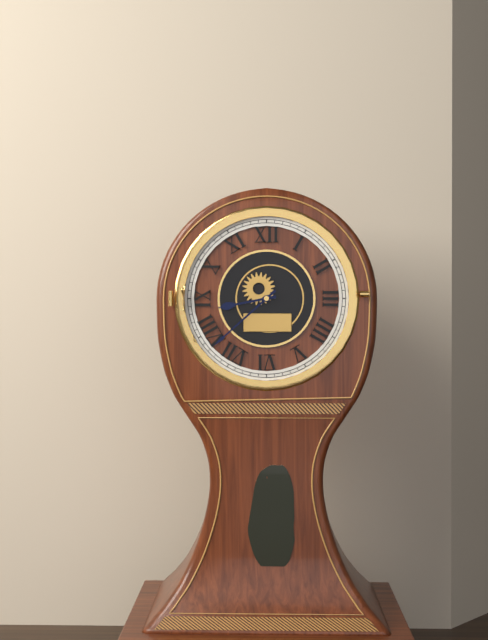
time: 8:38
